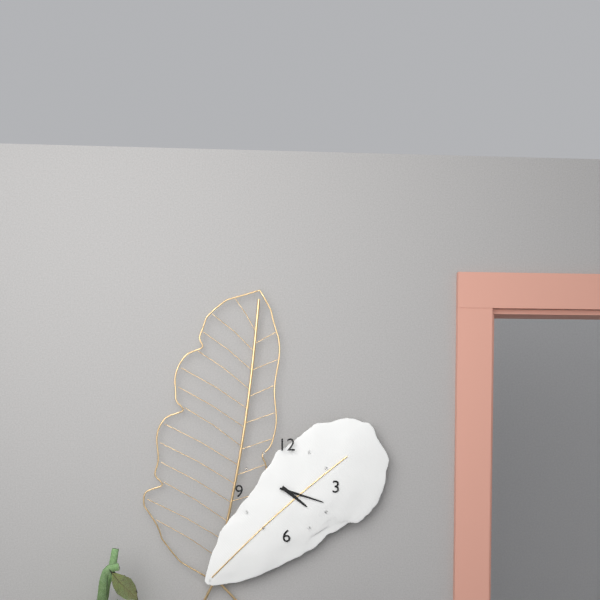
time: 4:18
